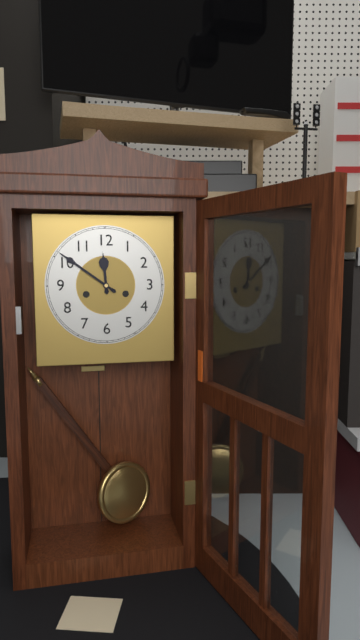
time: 11:51
